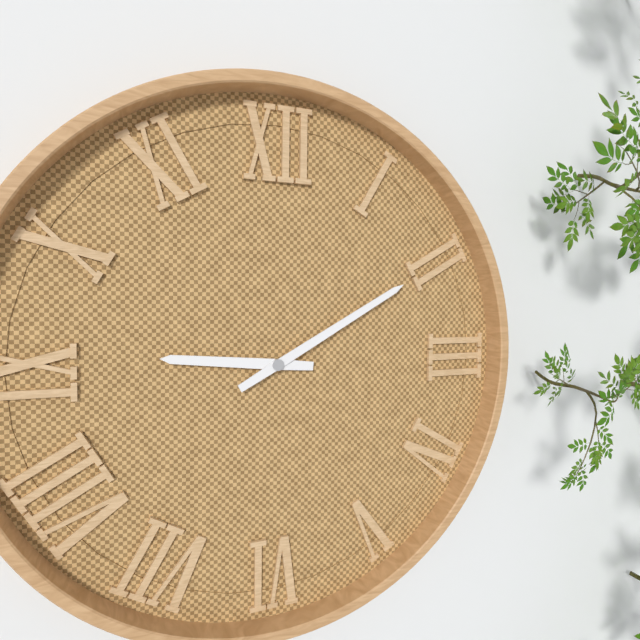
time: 9:10
